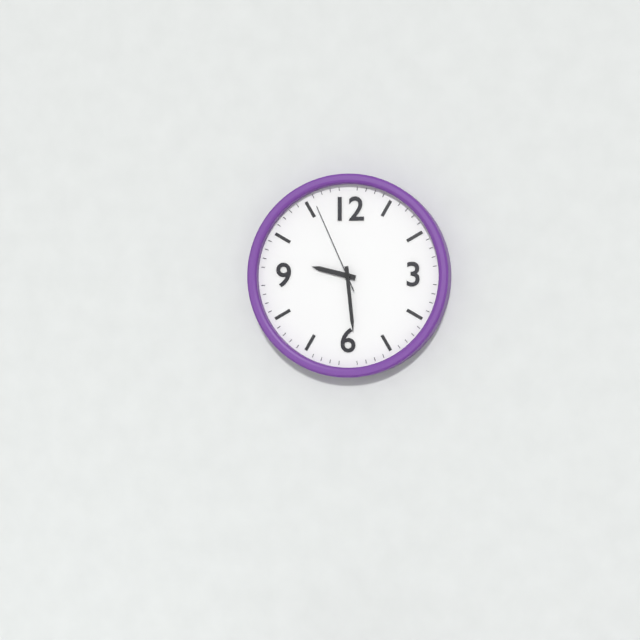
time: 9:29:56
